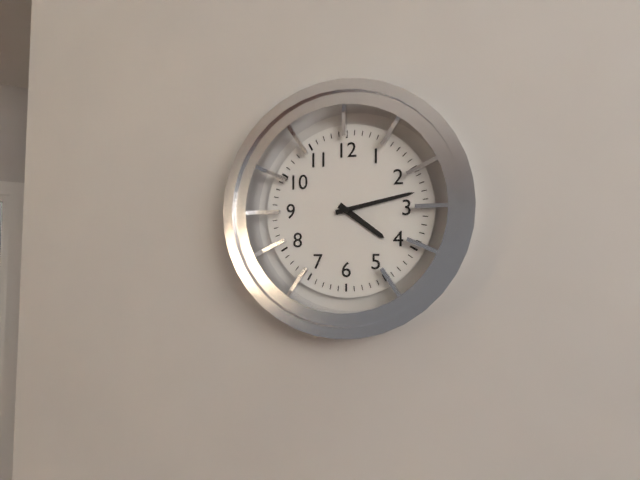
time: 4:13
